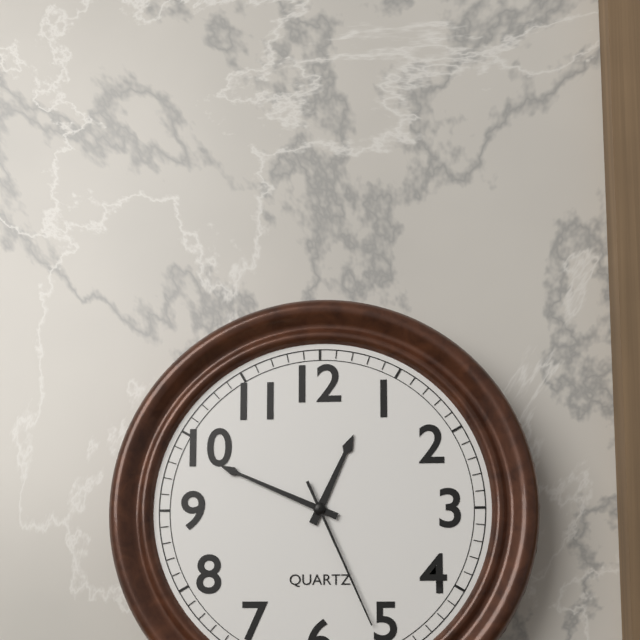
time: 12:49:26
